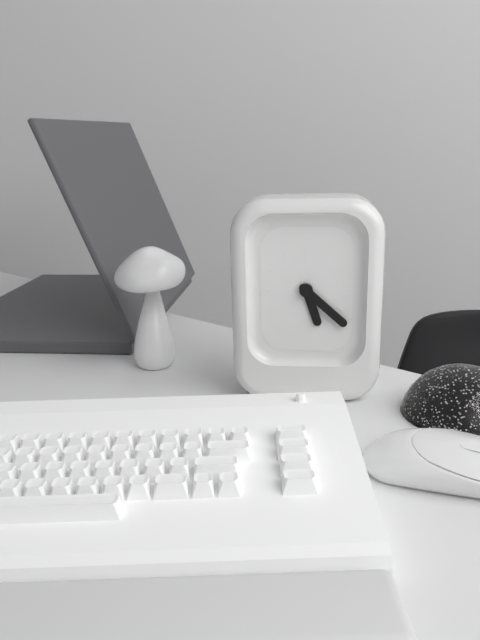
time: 5:22
